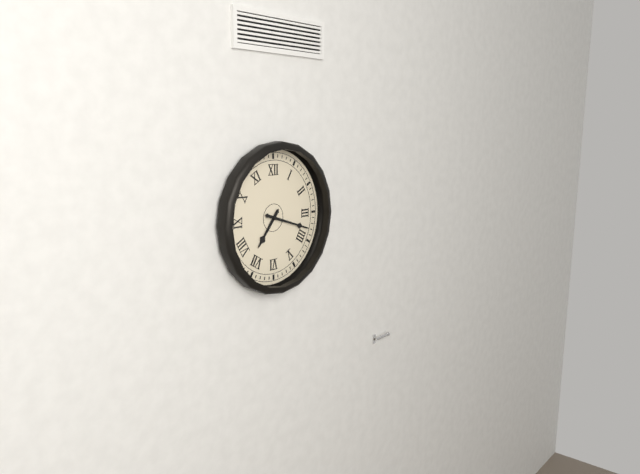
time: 7:18
